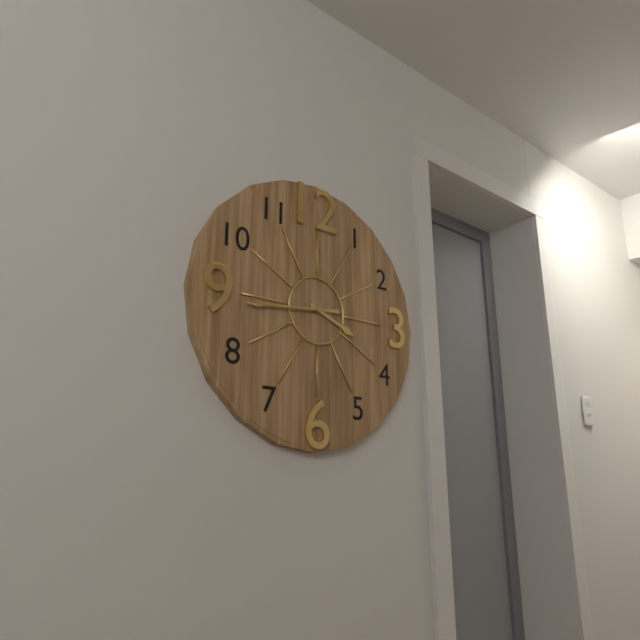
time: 3:44
